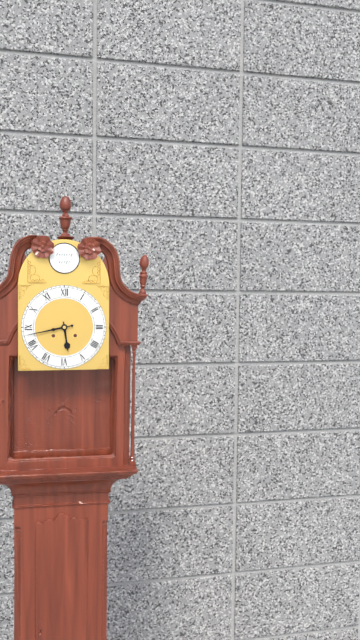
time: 5:43
